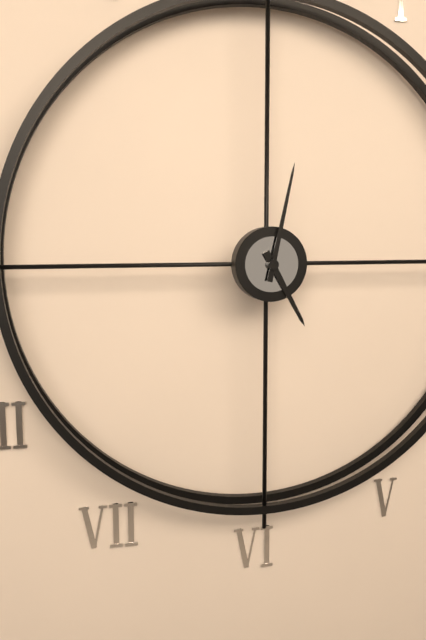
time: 5:02
